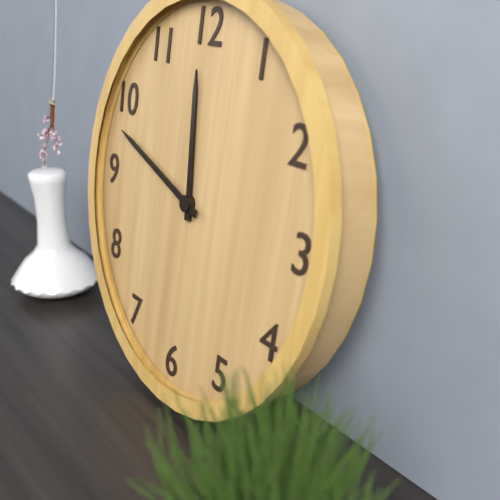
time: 11:48
